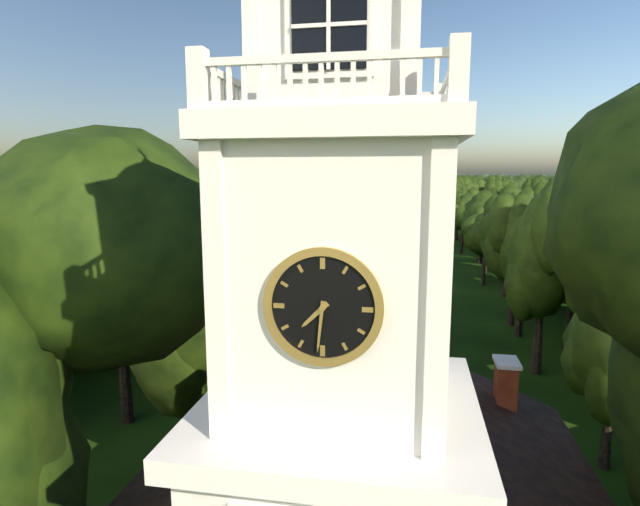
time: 7:31
